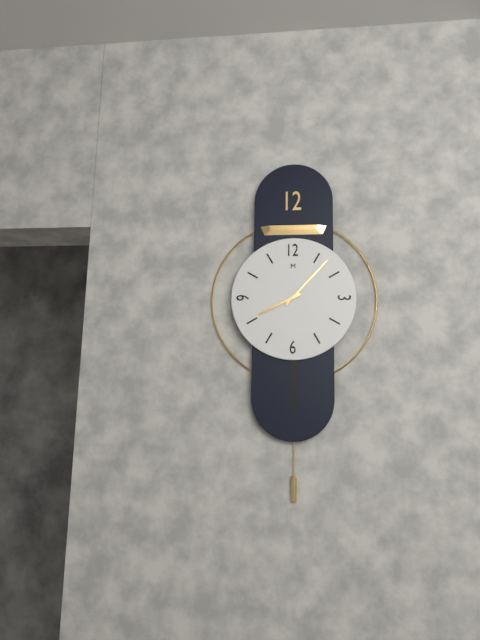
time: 8:07
